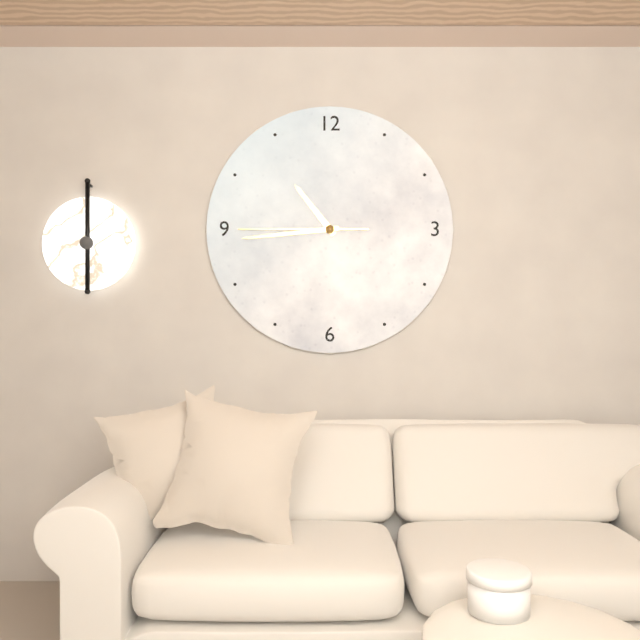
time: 10:44:45
